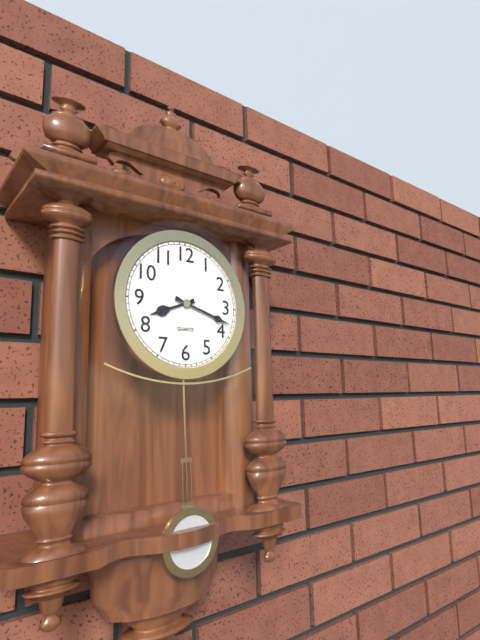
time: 8:18
